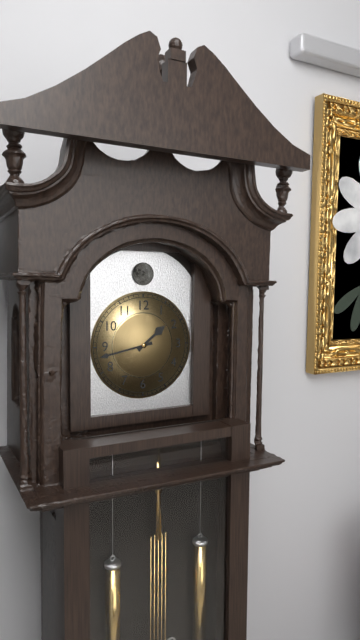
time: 1:43
